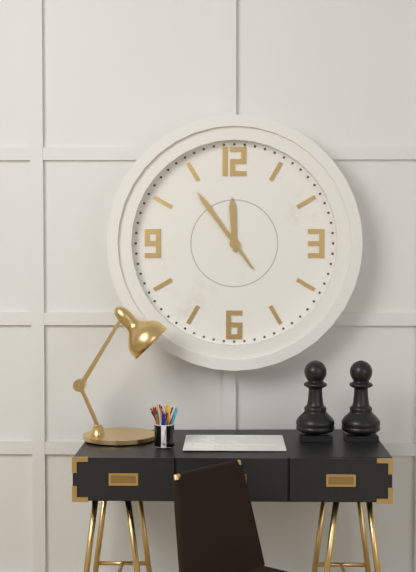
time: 11:54
